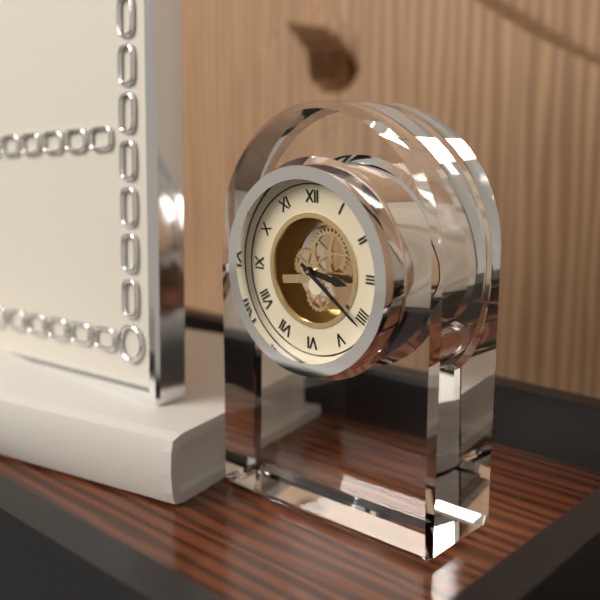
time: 3:21
